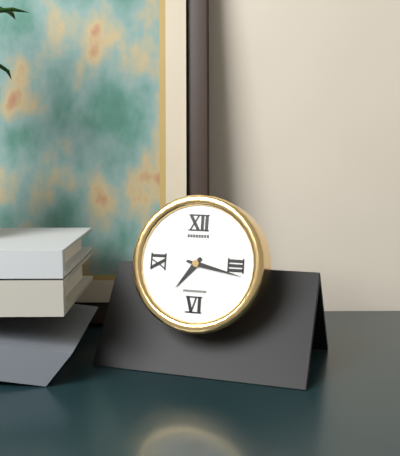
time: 7:17
